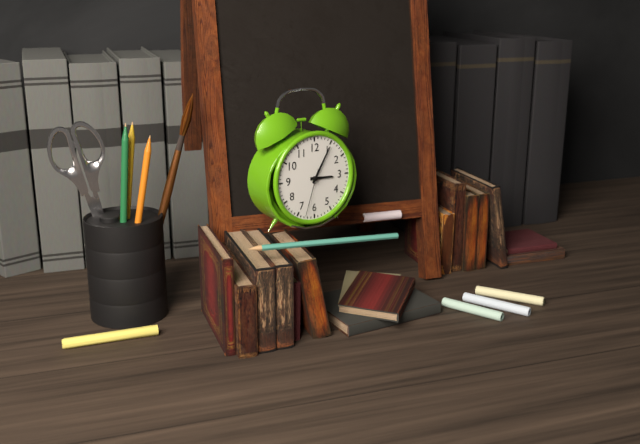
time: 3:05
